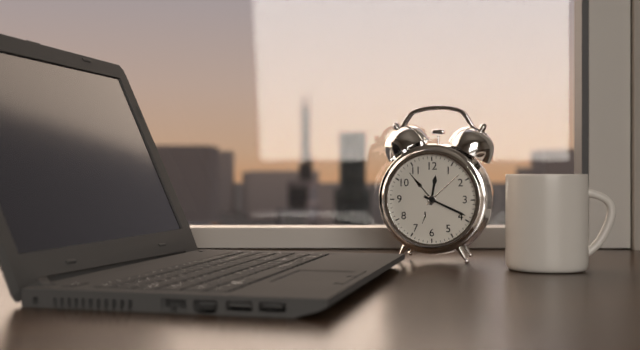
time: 12:19
